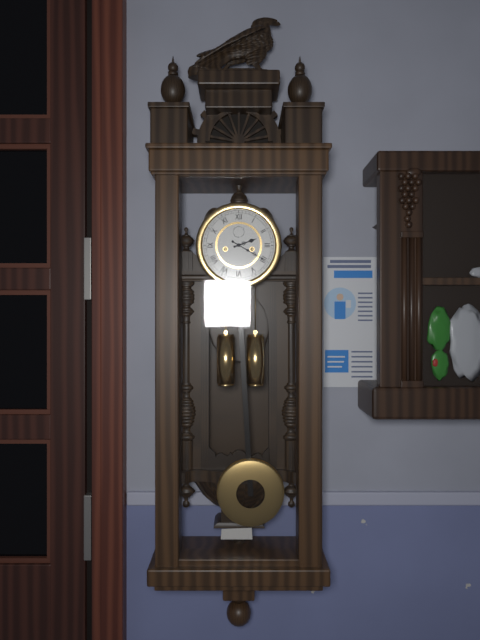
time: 2:20
